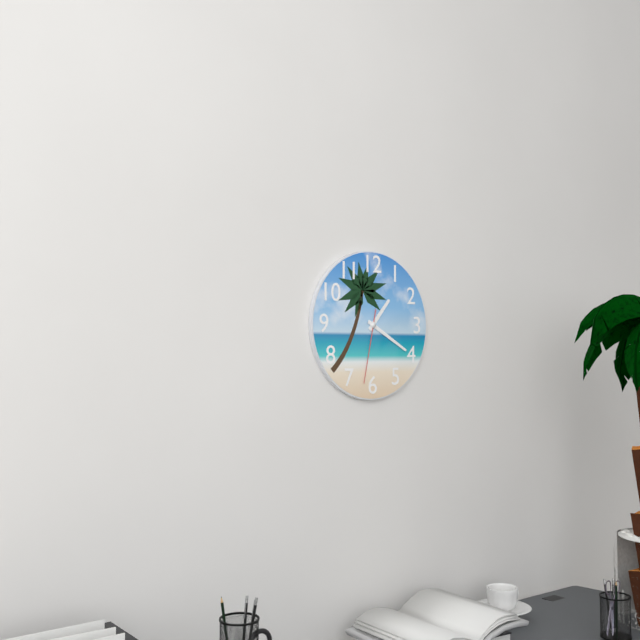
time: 1:20:32
